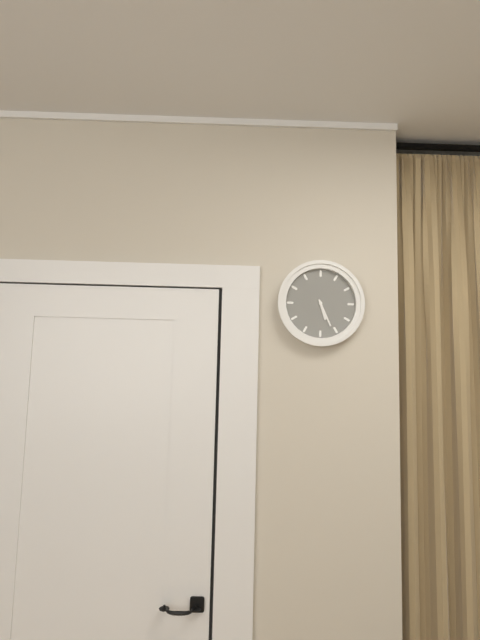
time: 5:26
